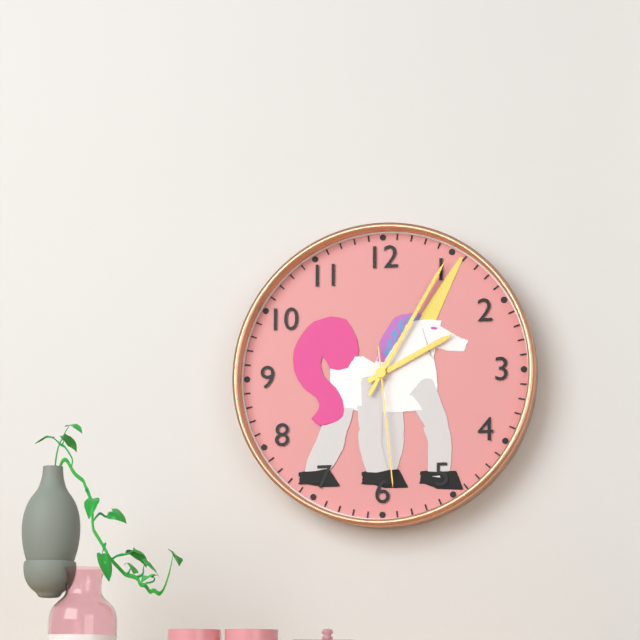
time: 2:05:29
